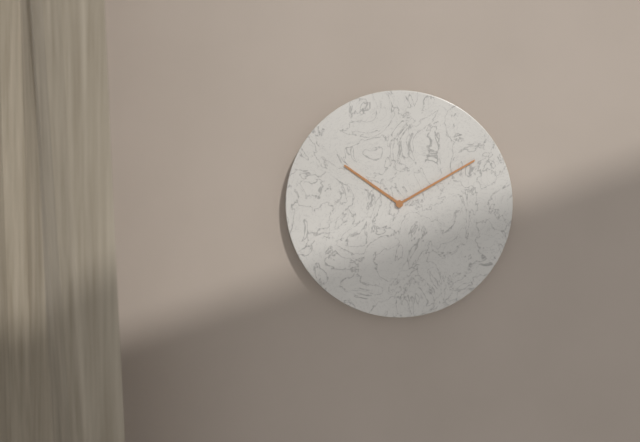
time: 10:10
